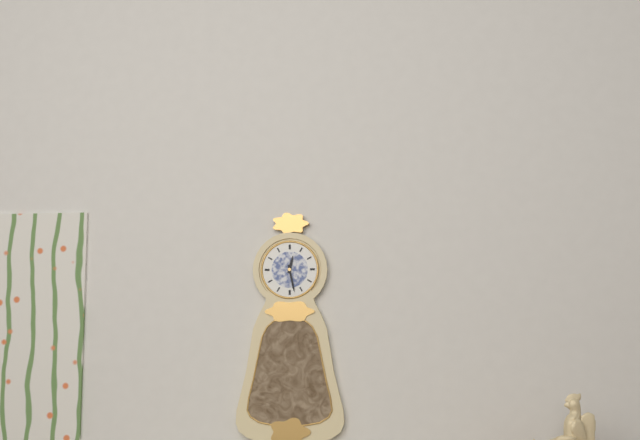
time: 12:28
